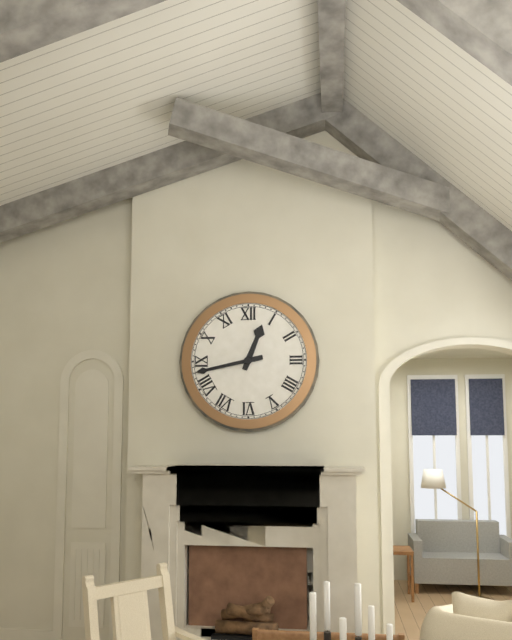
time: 12:43
